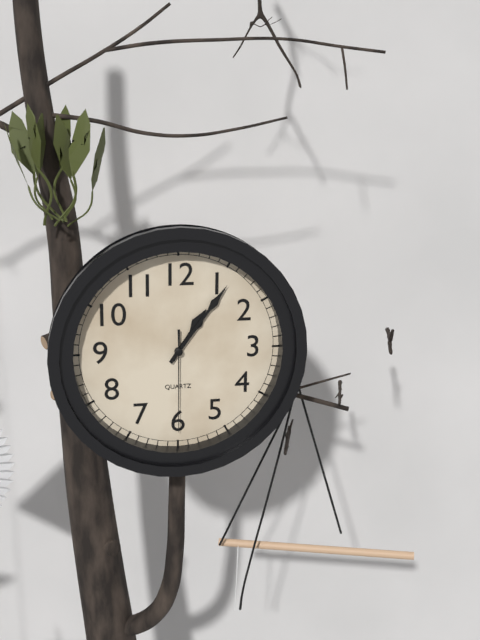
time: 1:06:30
